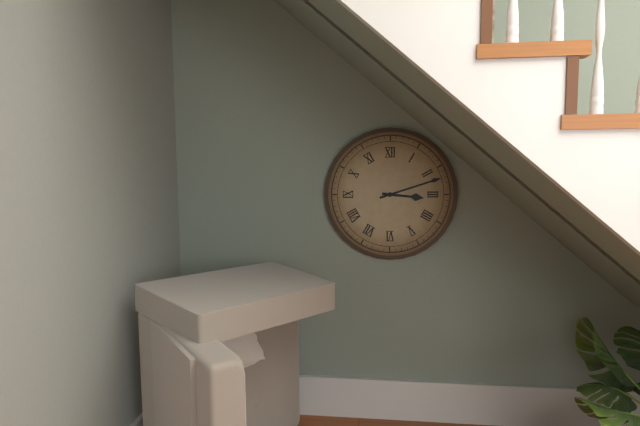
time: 3:12
